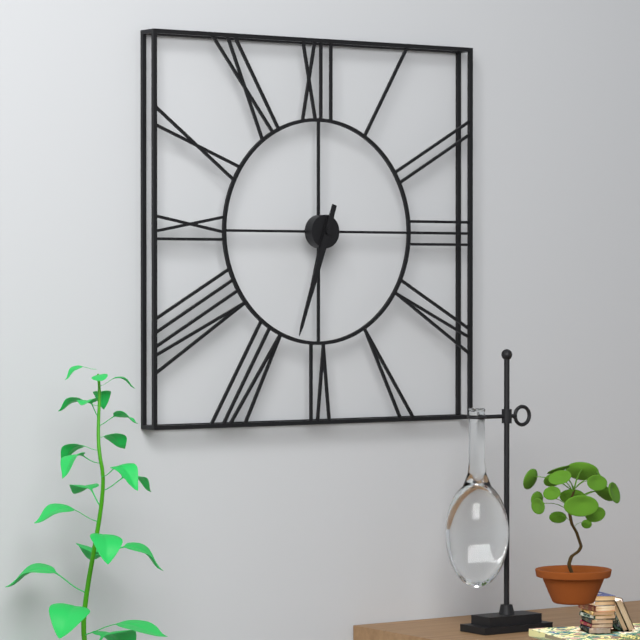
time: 6:33
